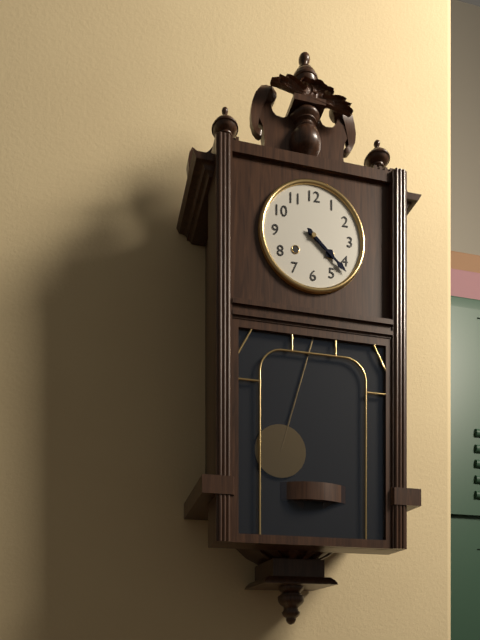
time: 4:22
